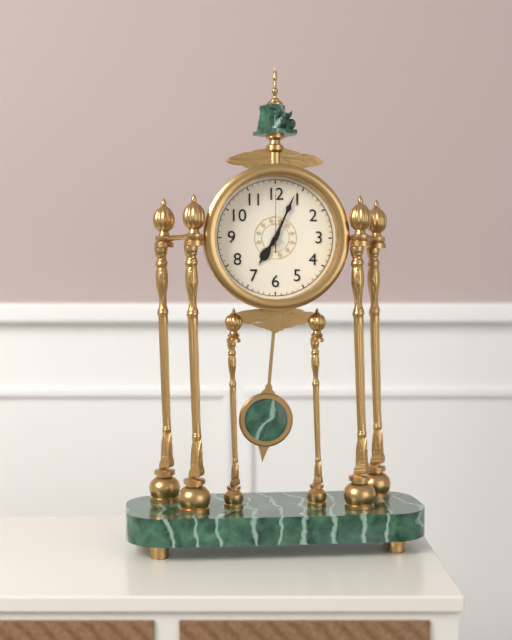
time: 7:04:00
